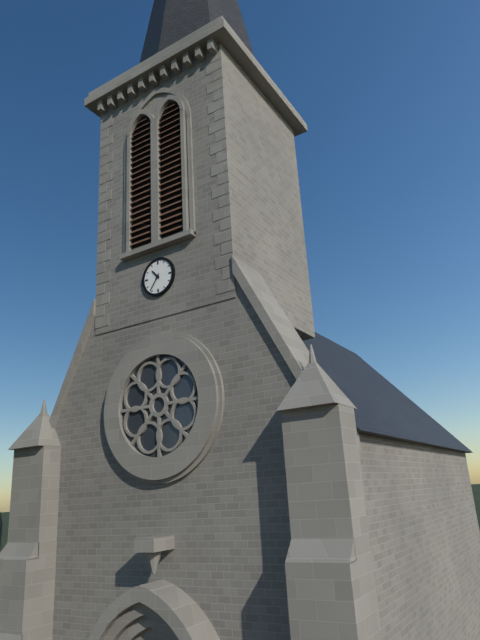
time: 10:36
